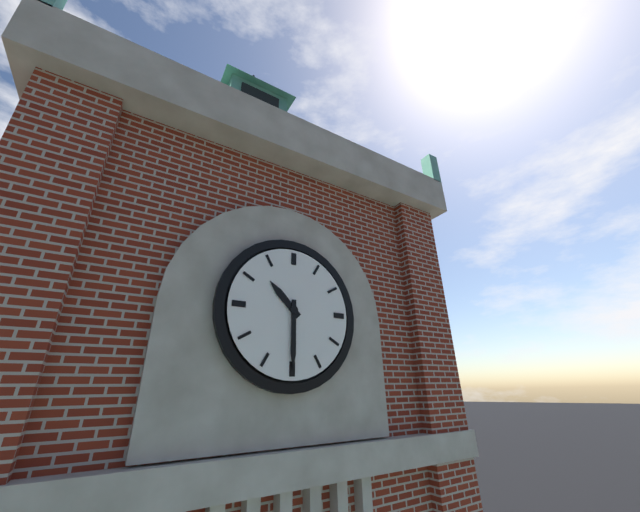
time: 10:30
